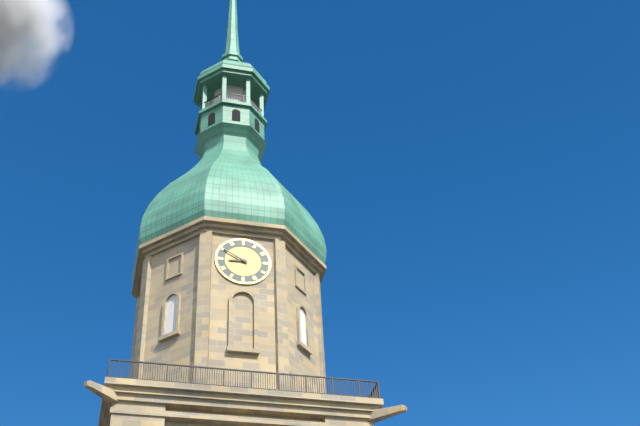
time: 8:50
